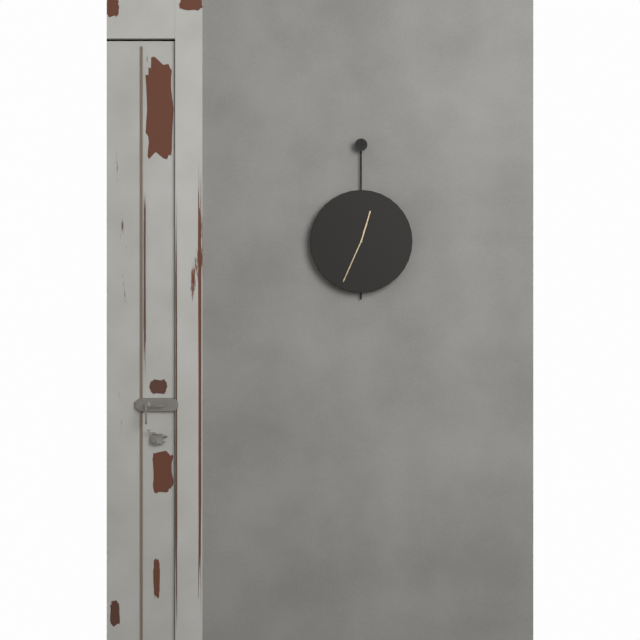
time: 12:34
